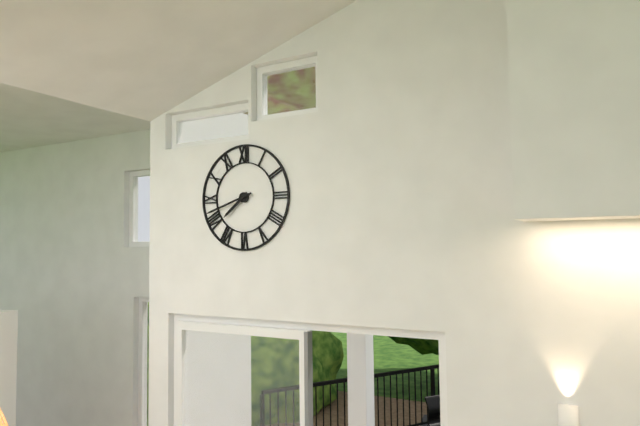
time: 7:42
